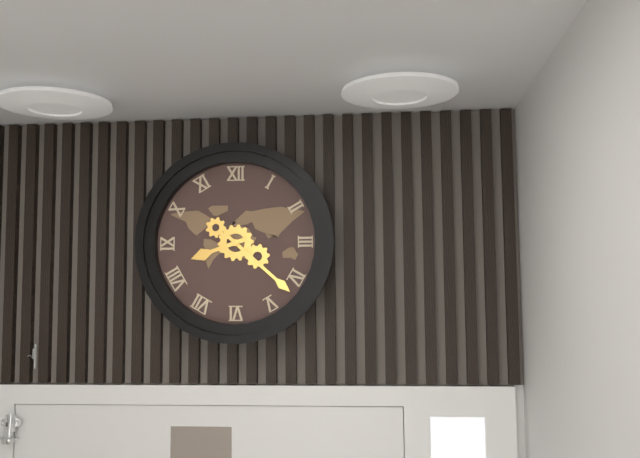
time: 8:22
